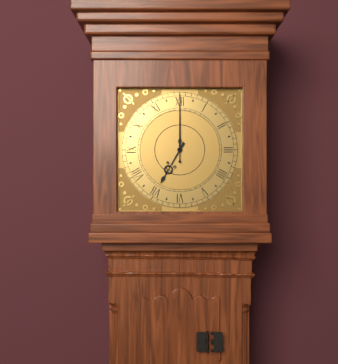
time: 7:00
